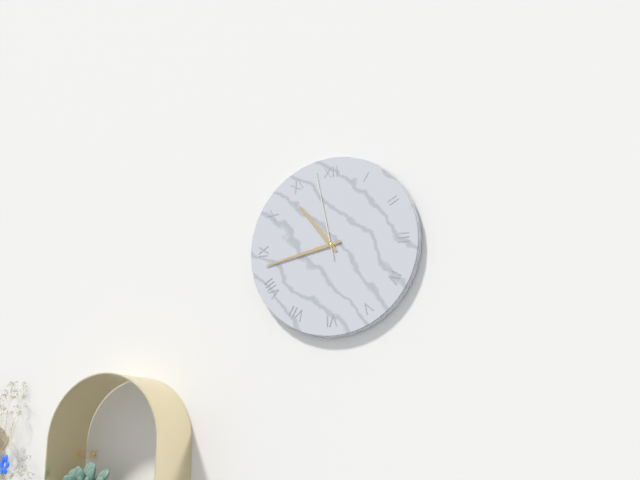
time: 10:43:58
